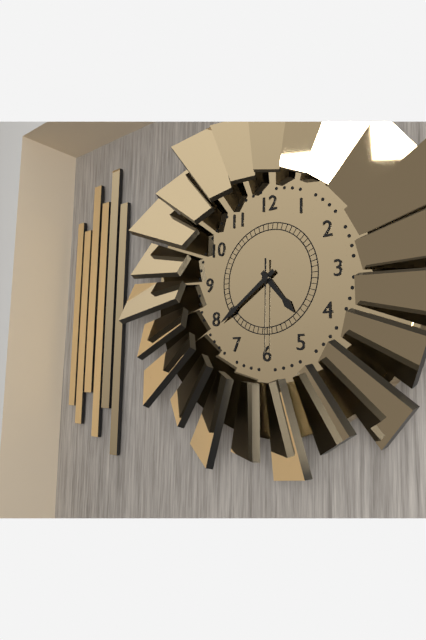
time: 4:39:30
